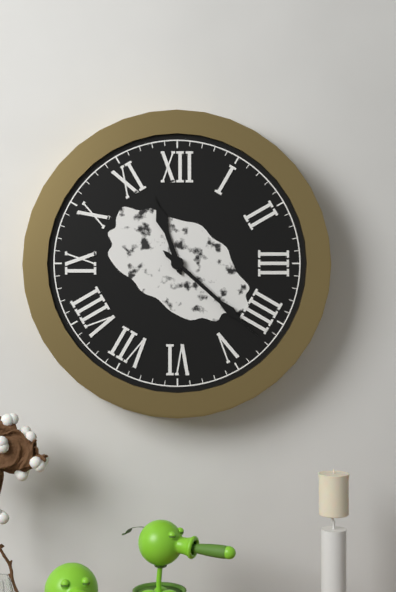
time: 11:22
